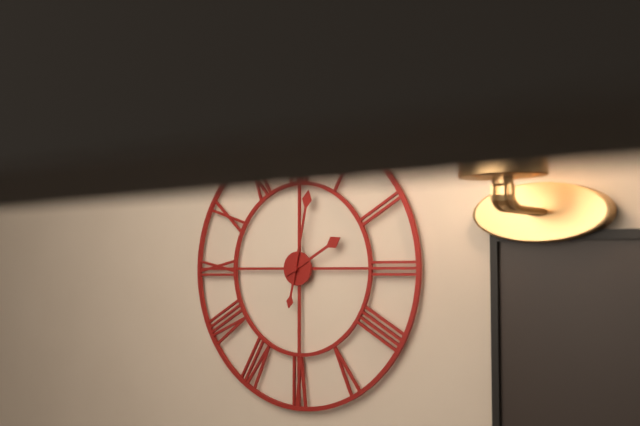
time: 2:02
